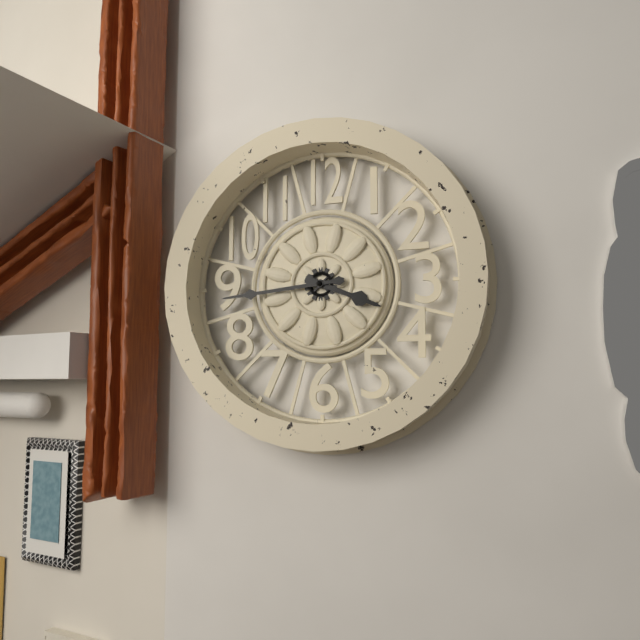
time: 3:44
